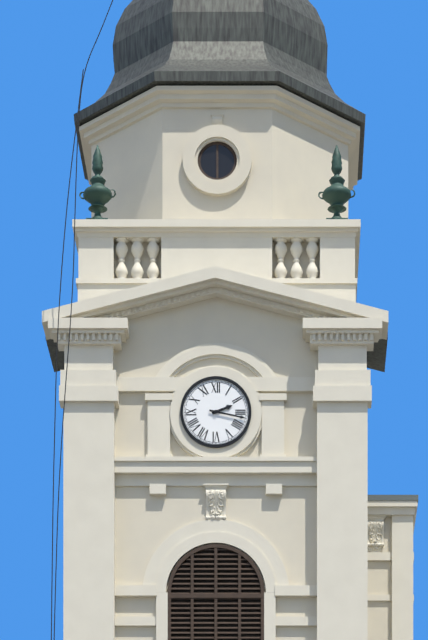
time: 2:17
